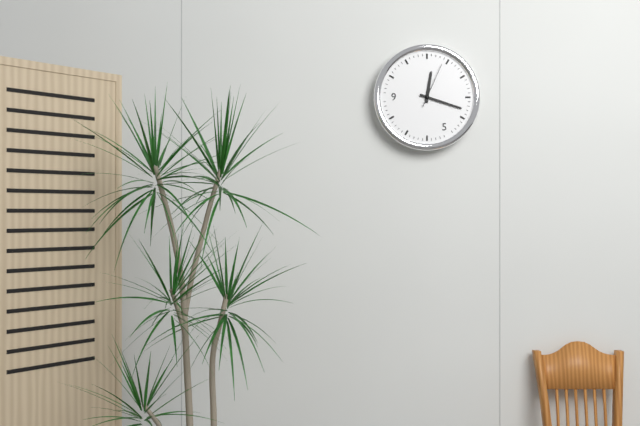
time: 12:18
